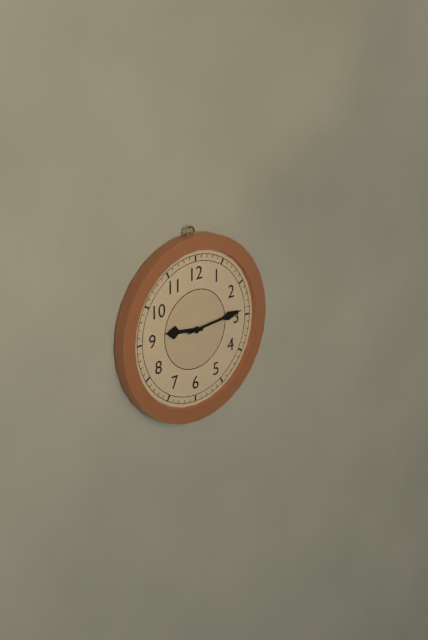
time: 9:14
